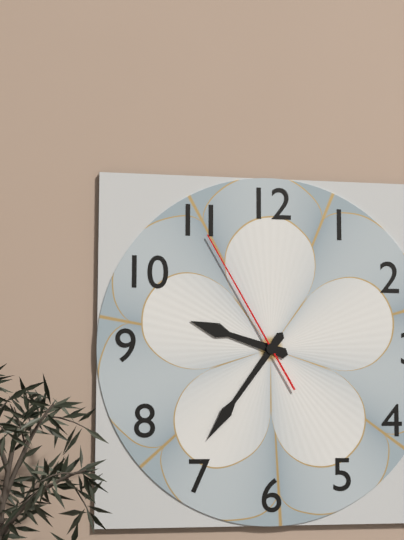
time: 9:36:55
